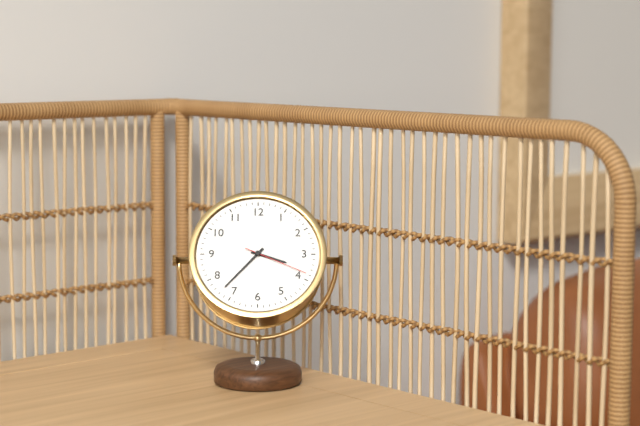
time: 3:37:19
